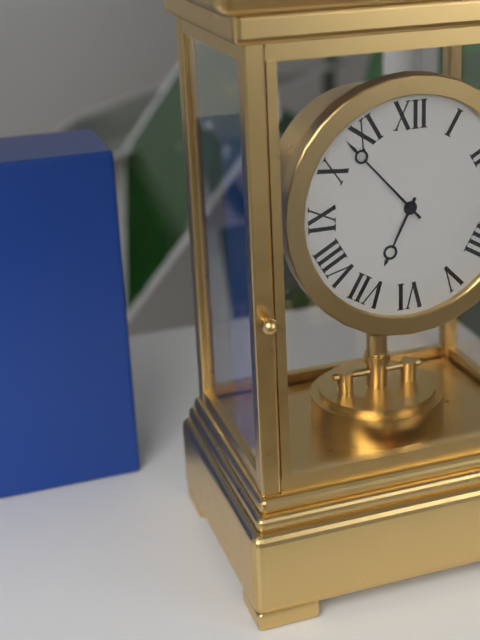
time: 6:53
